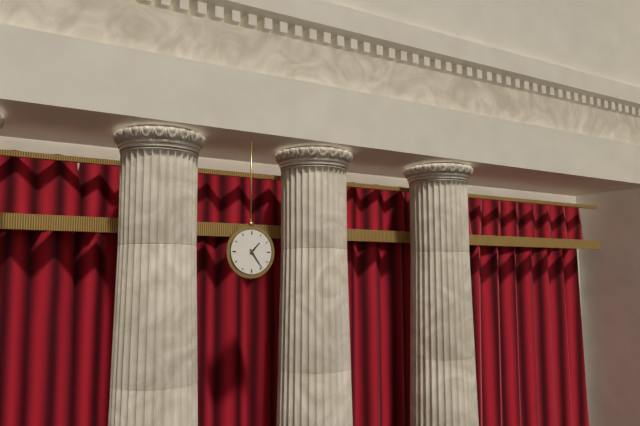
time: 1:24
